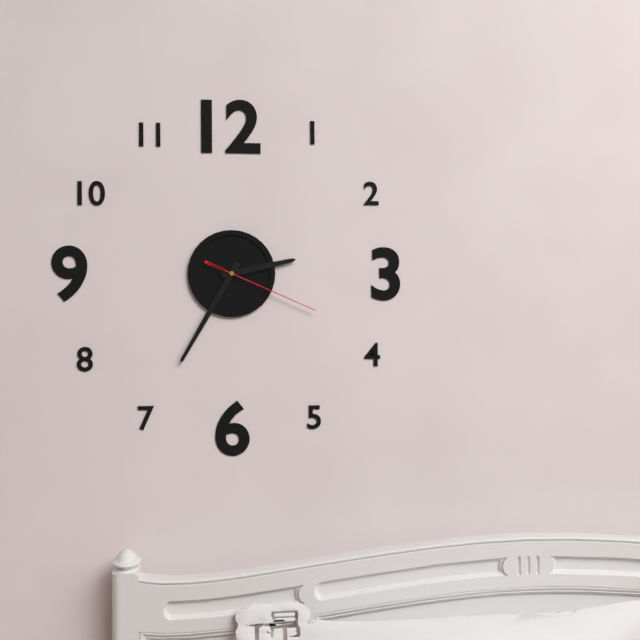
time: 2:35:19
